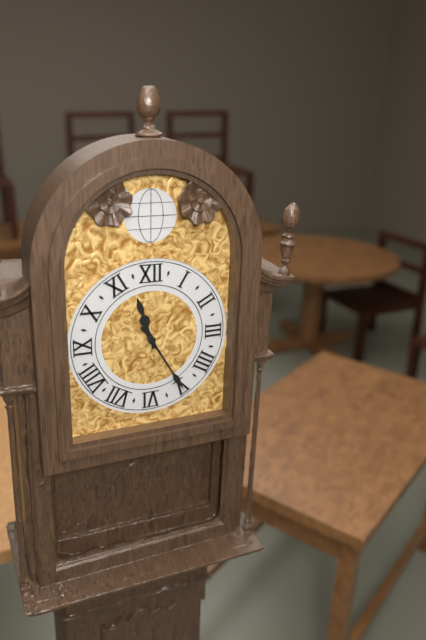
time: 11:25
